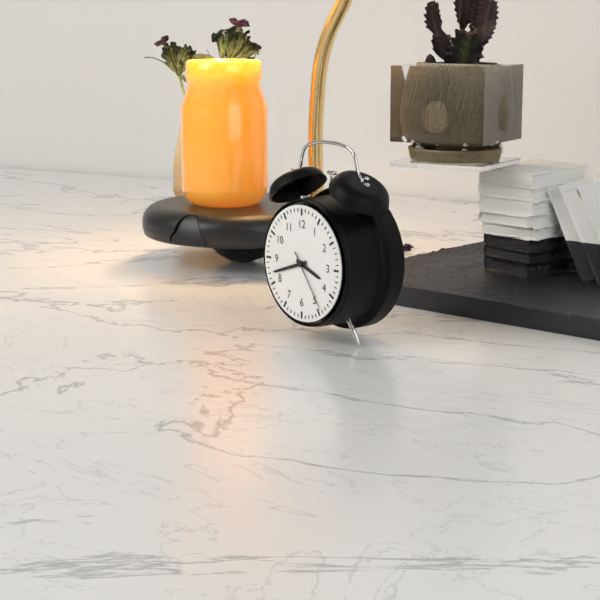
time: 3:42:24
